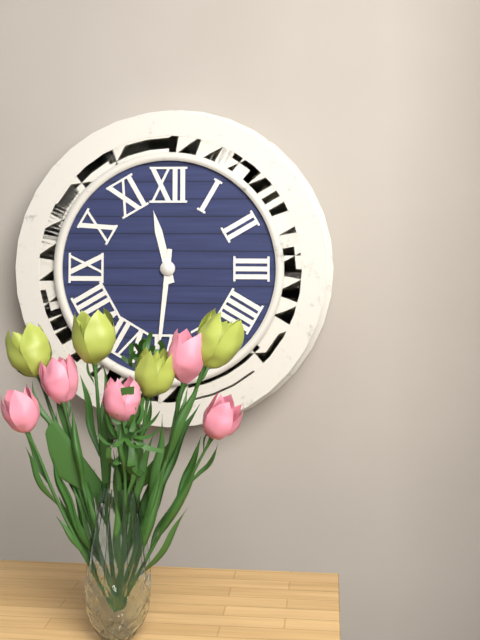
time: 11:31
